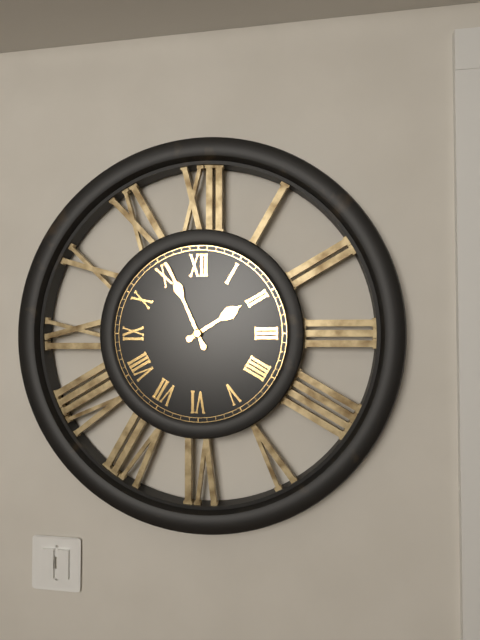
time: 1:56
